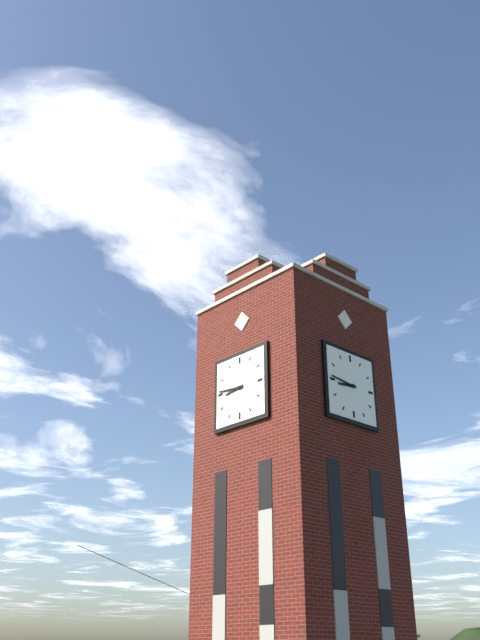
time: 8:46
